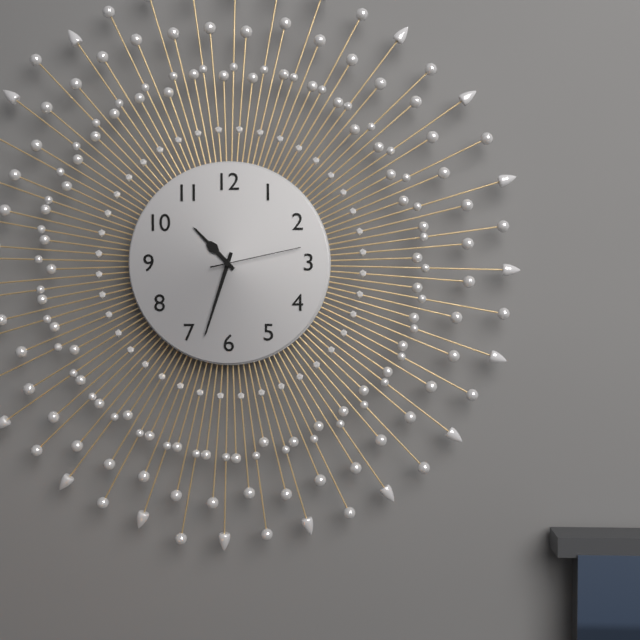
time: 10:33:13
